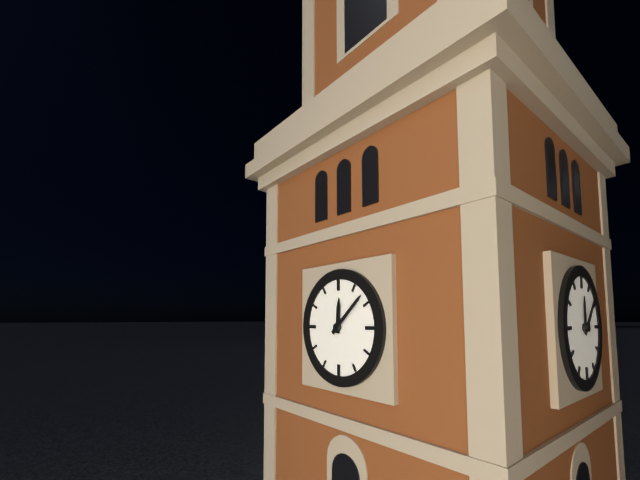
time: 12:08
